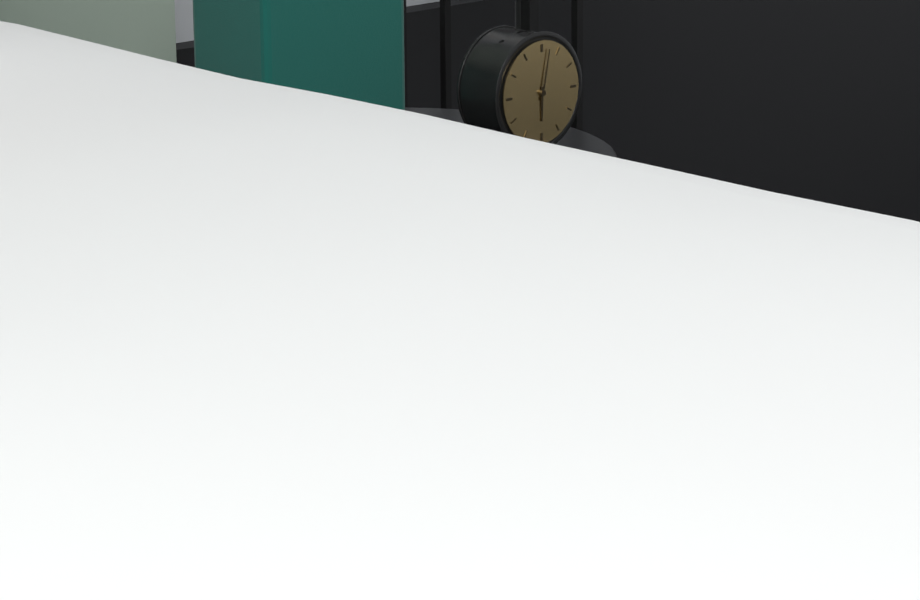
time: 6:02
